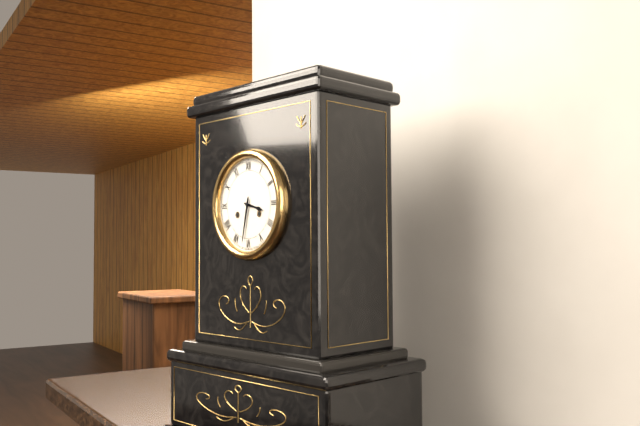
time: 3:32
